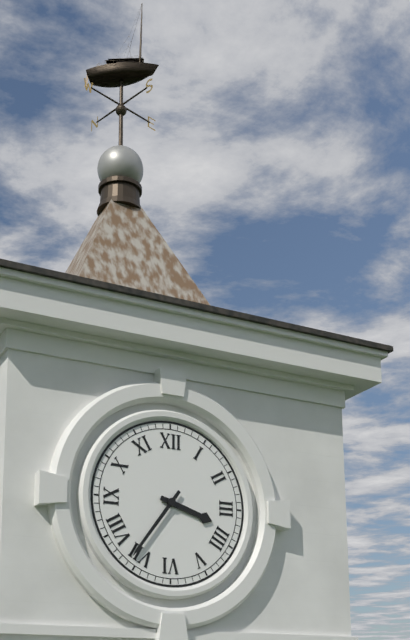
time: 3:36
